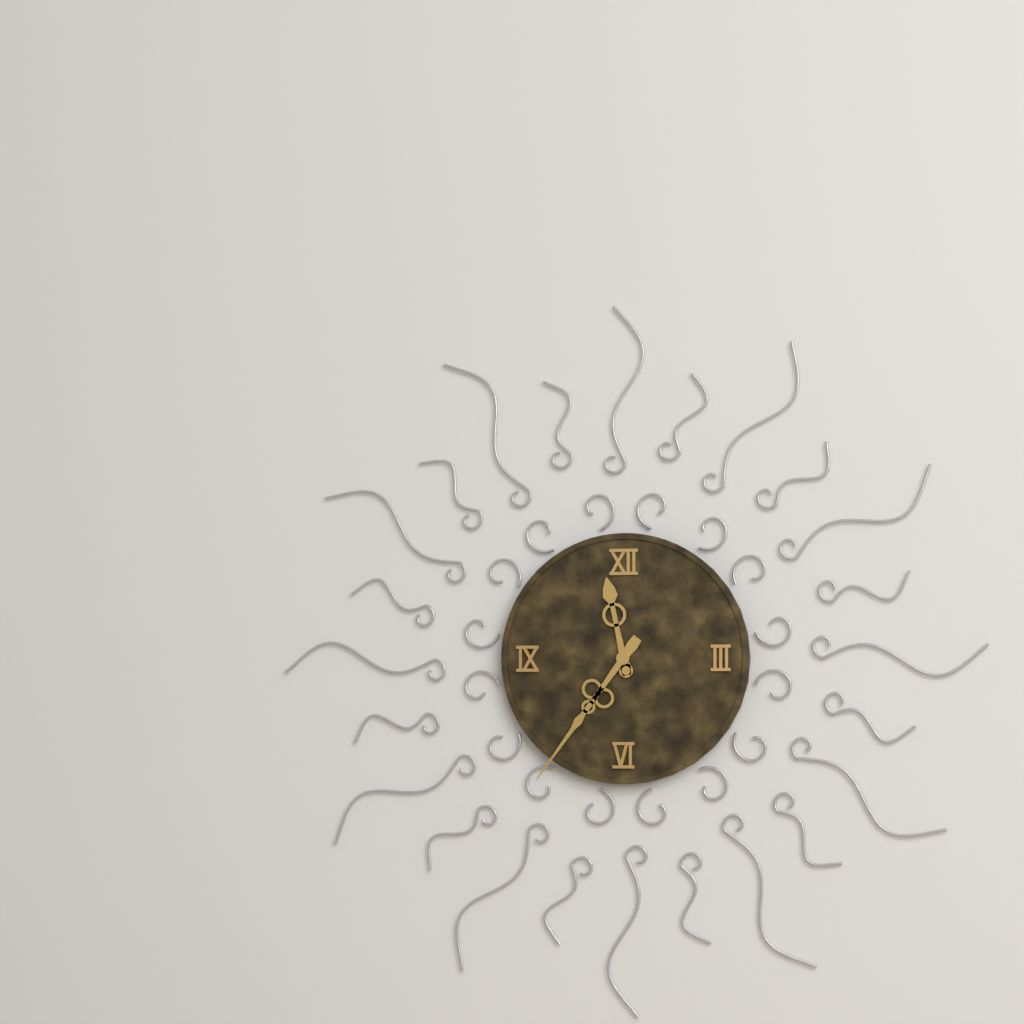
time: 11:36
